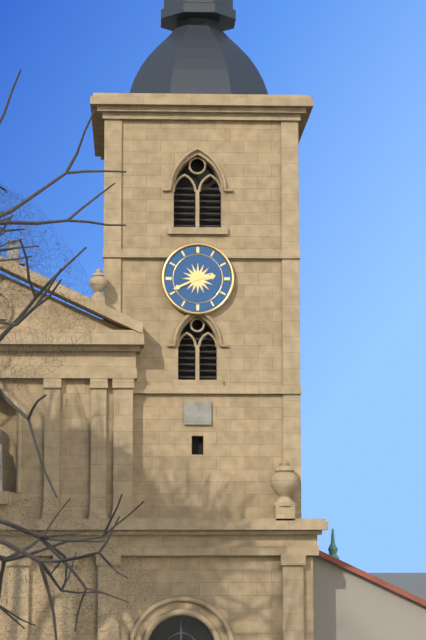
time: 2:41
